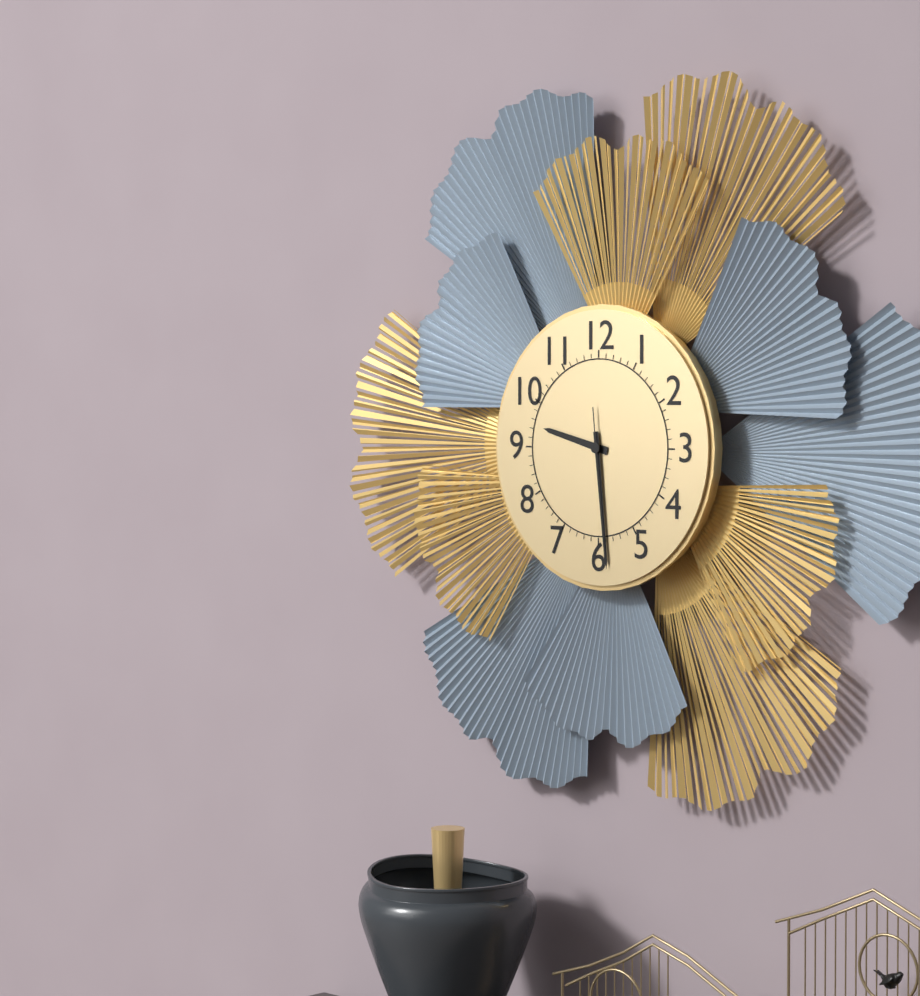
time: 9:29:29
